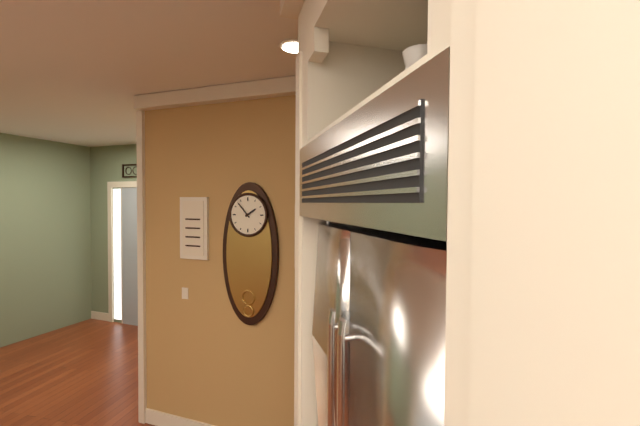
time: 1:53
